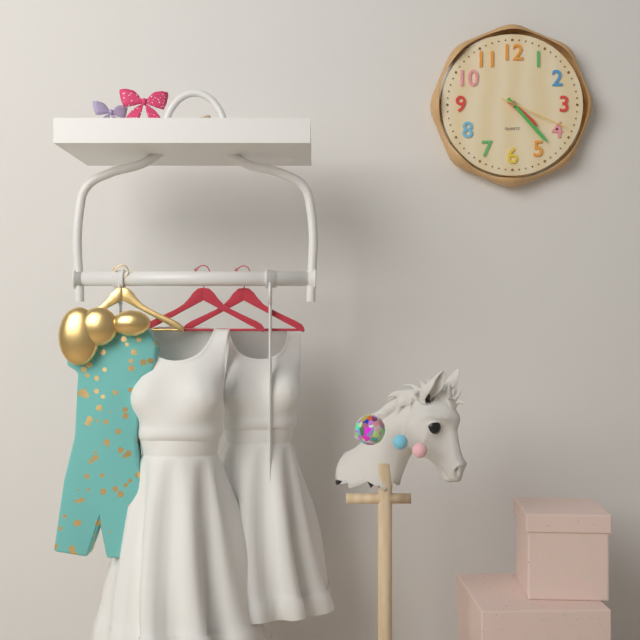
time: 4:23:19
